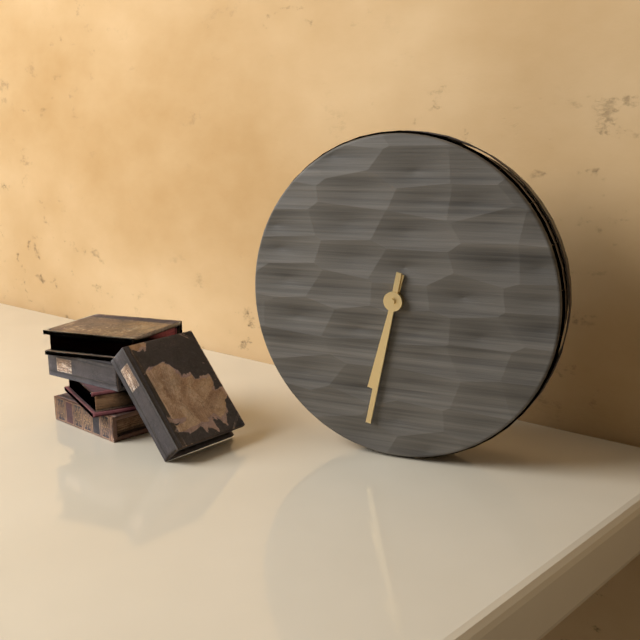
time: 6:32
